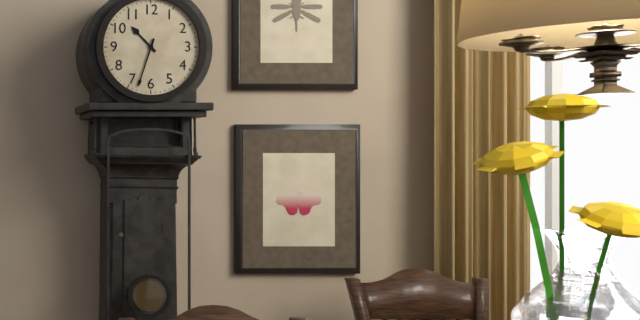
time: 10:33
